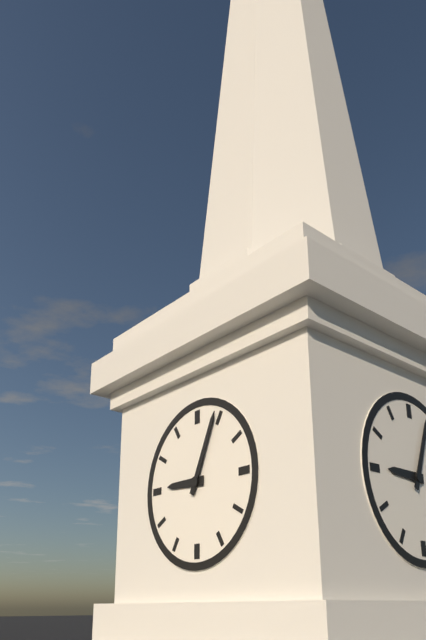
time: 9:04
